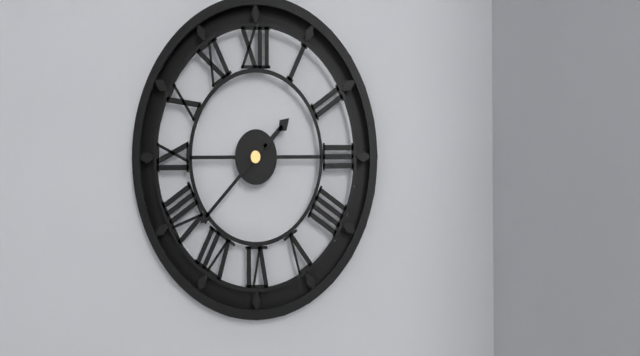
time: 1:38
